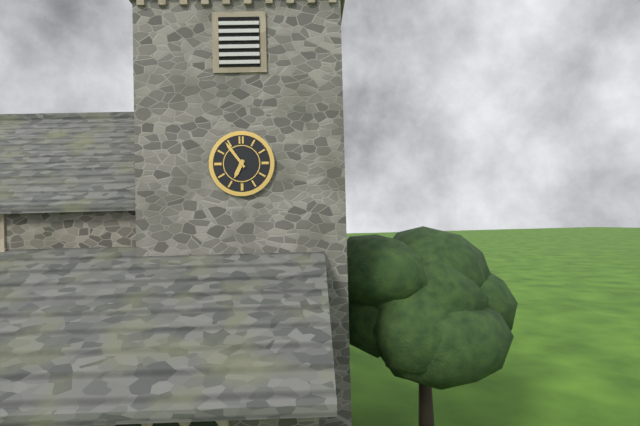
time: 6:54
